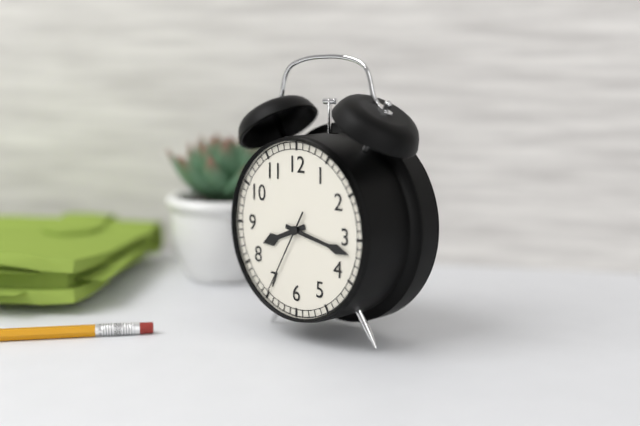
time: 8:17:35
